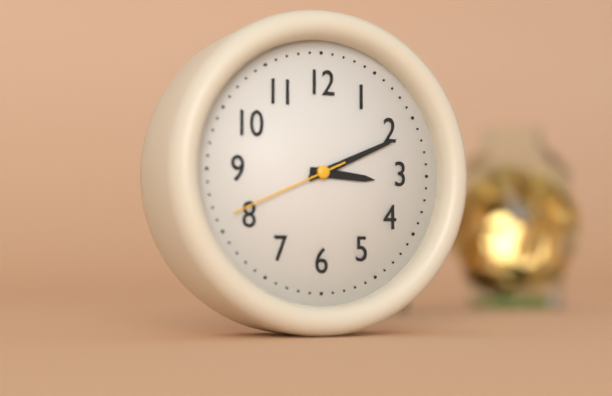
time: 3:11:41
